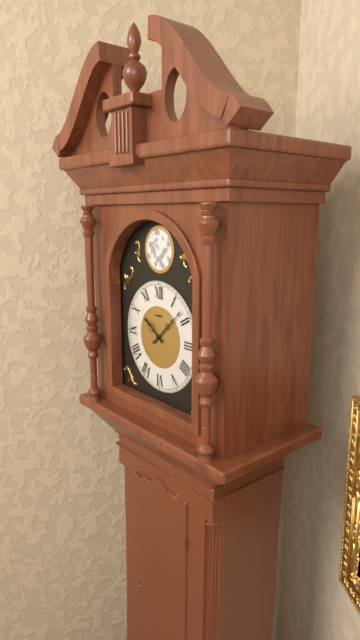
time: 10:08
